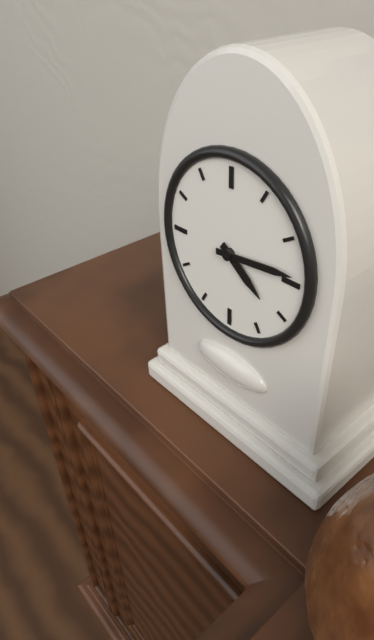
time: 4:14
